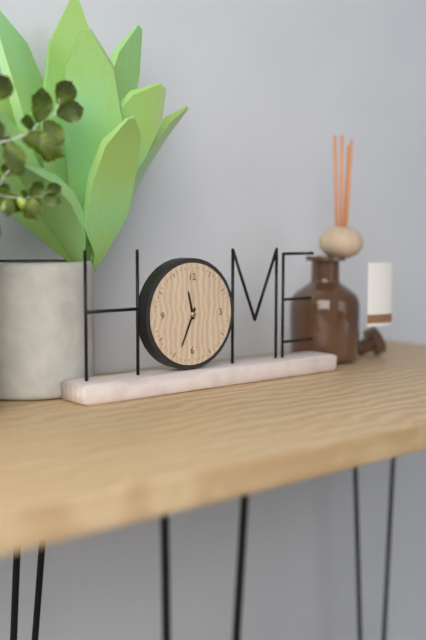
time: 11:34
